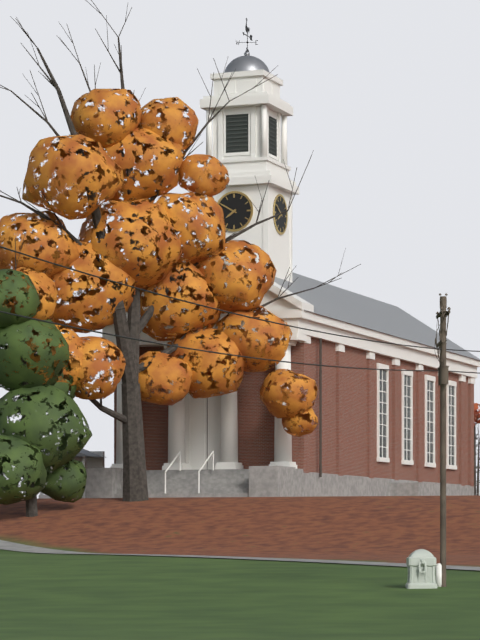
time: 7:50
